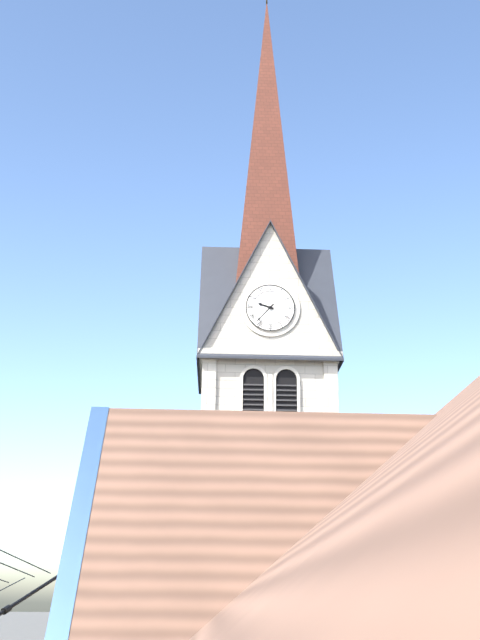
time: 9:37
